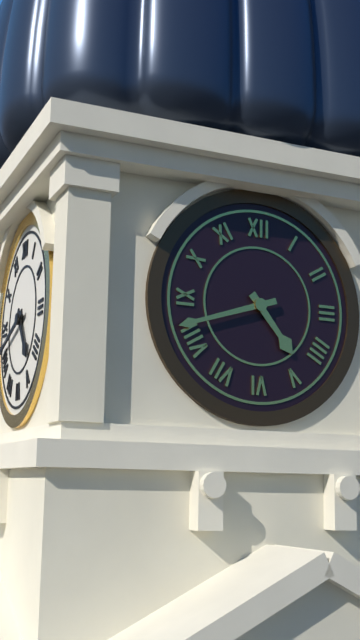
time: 4:42
